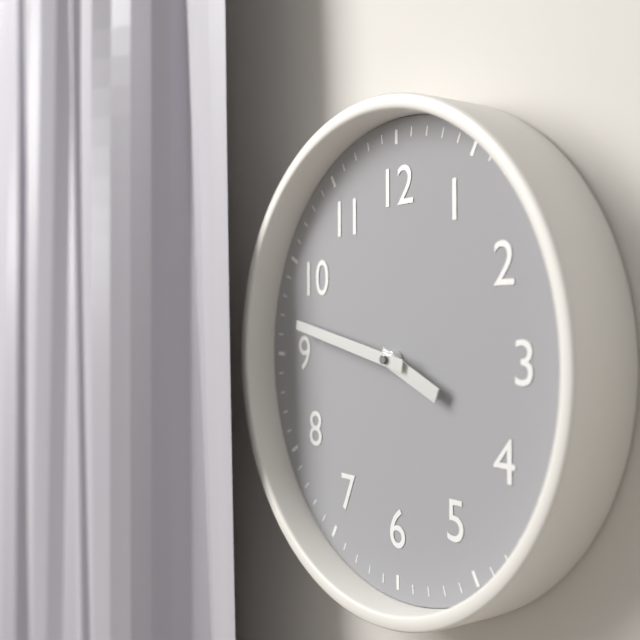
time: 3:47
